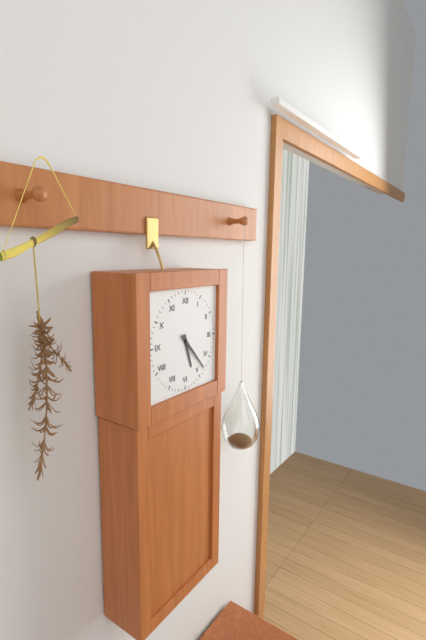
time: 5:23
